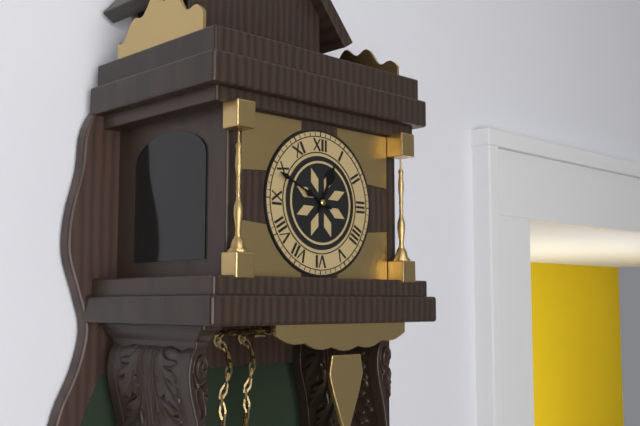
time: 12:49
